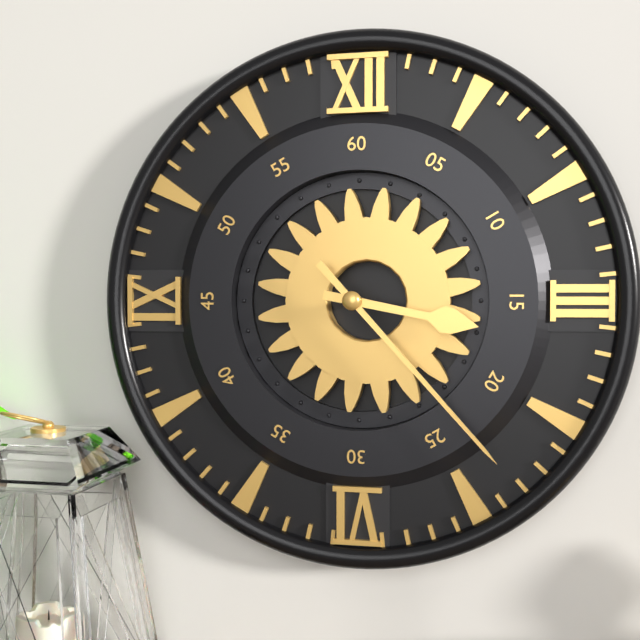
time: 3:23
